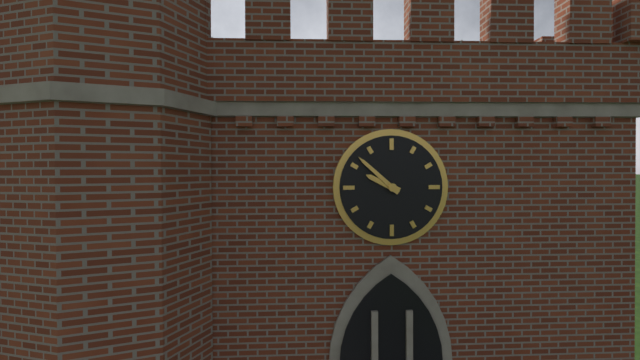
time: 9:52
